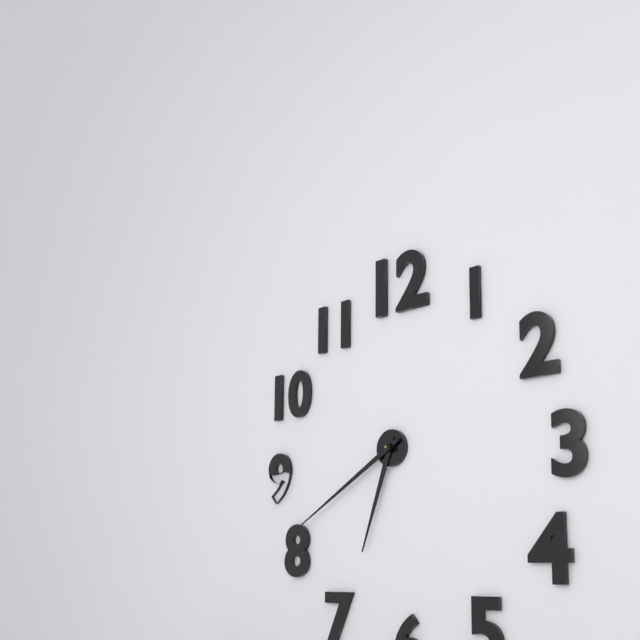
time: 6:40
